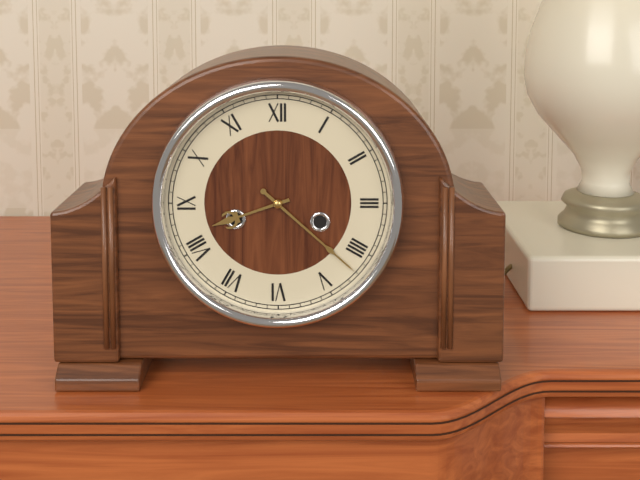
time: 8:22
